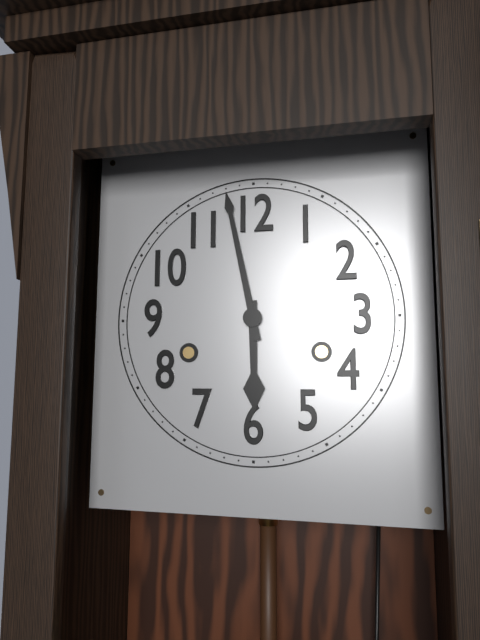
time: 5:58
